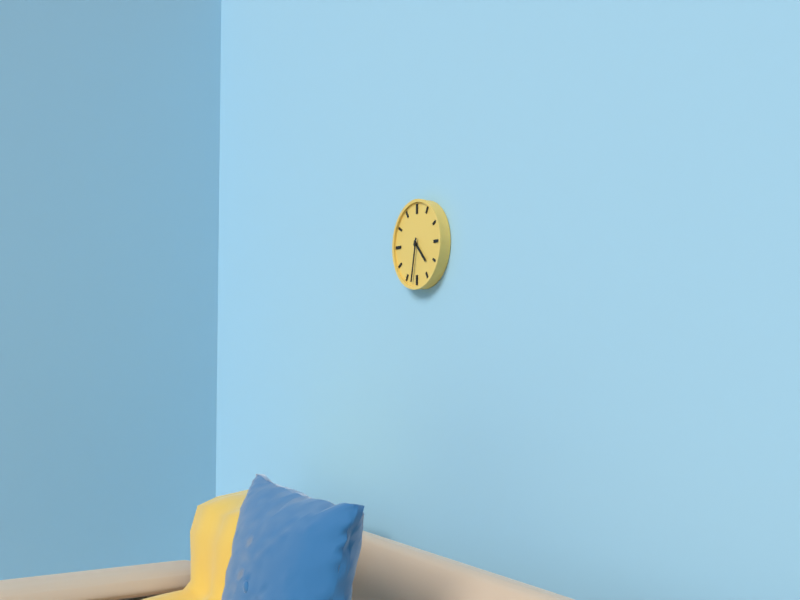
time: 4:32
